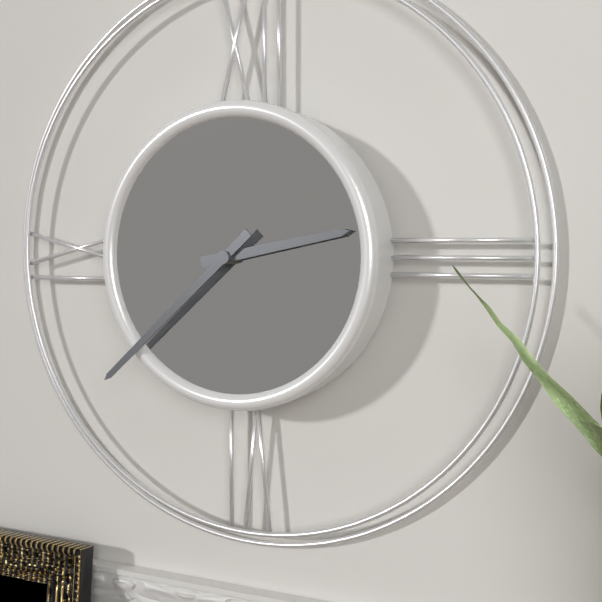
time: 2:38
